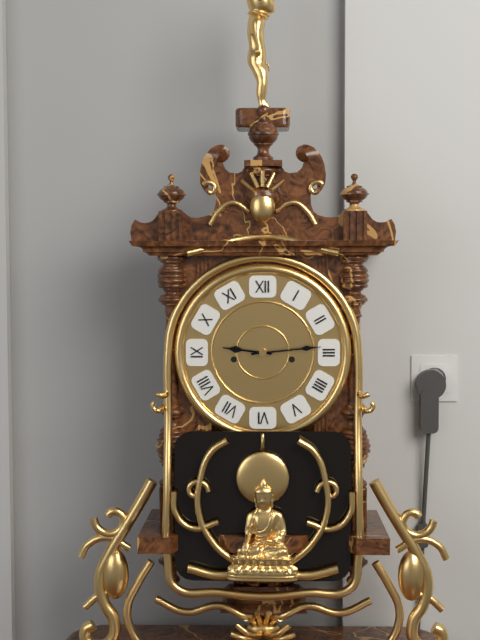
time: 9:14
